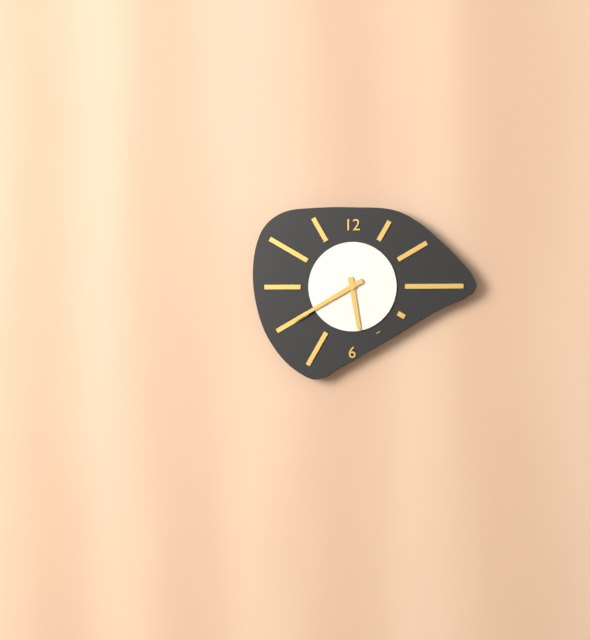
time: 5:40
